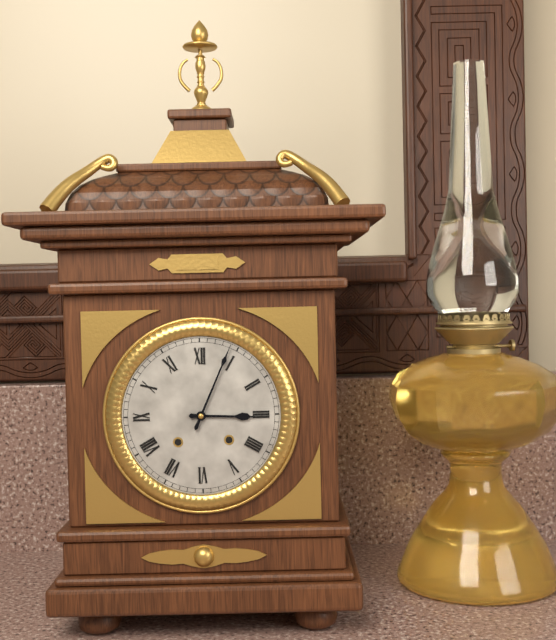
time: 3:04
